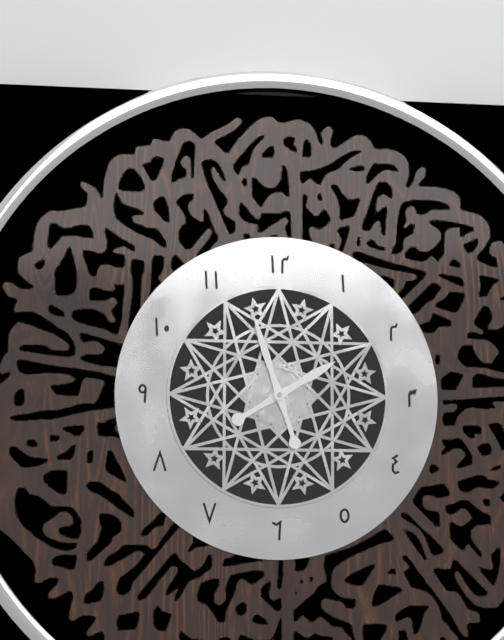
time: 1:57
